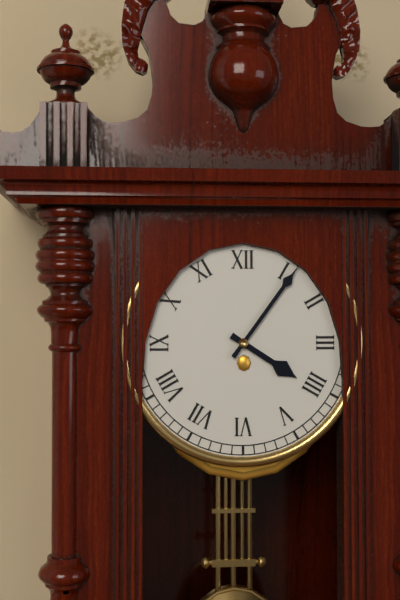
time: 4:06
